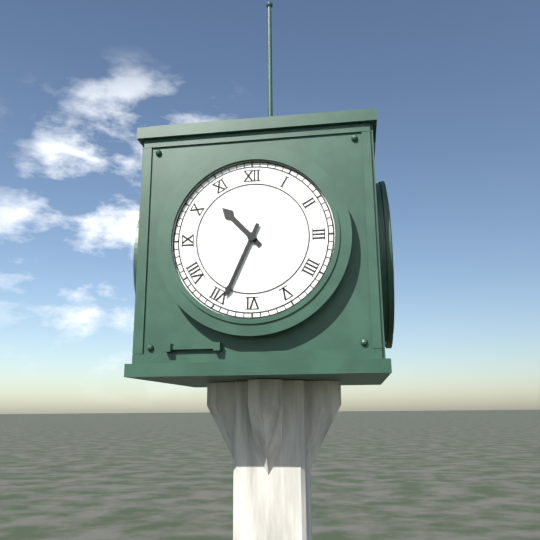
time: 10:34
